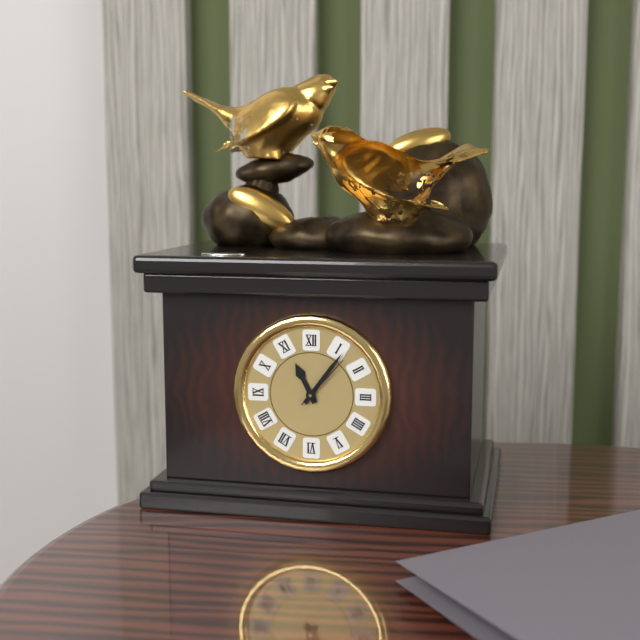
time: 11:06:07
